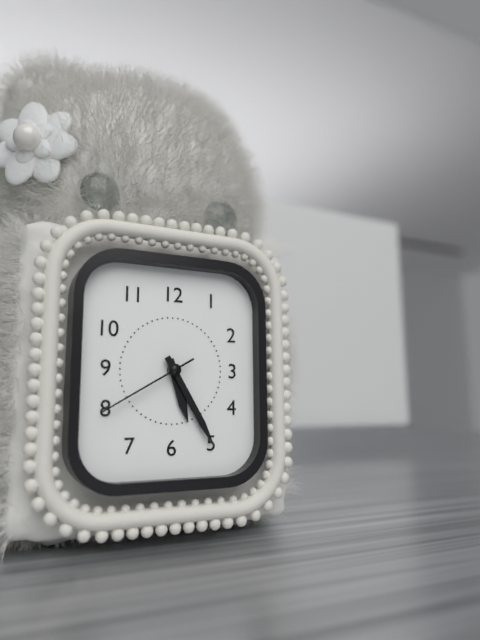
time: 5:25:40
